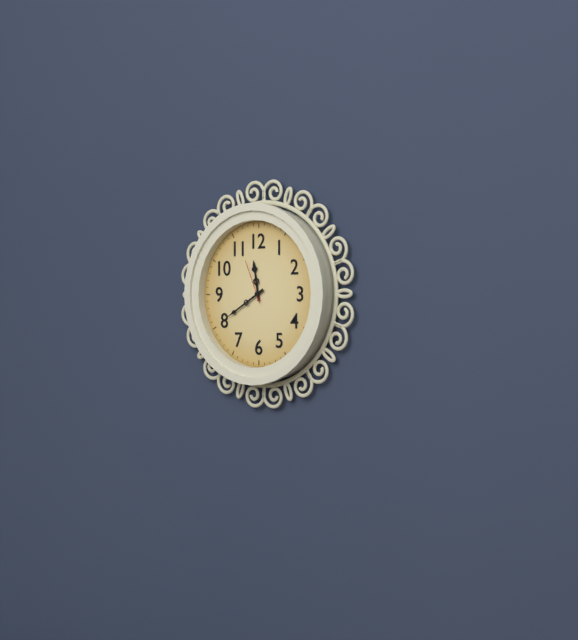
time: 11:40
